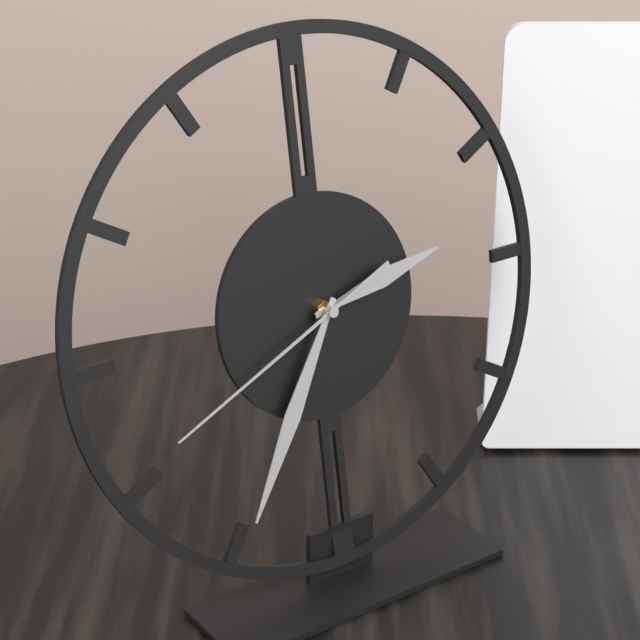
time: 2:35:41
